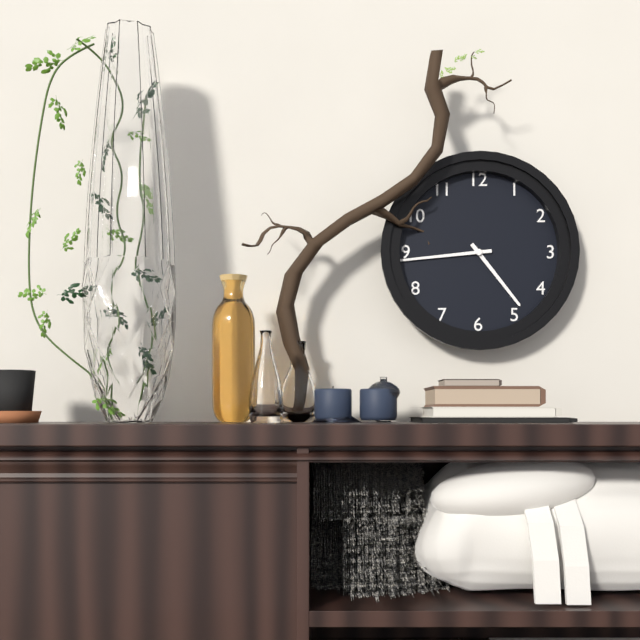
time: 4:44
